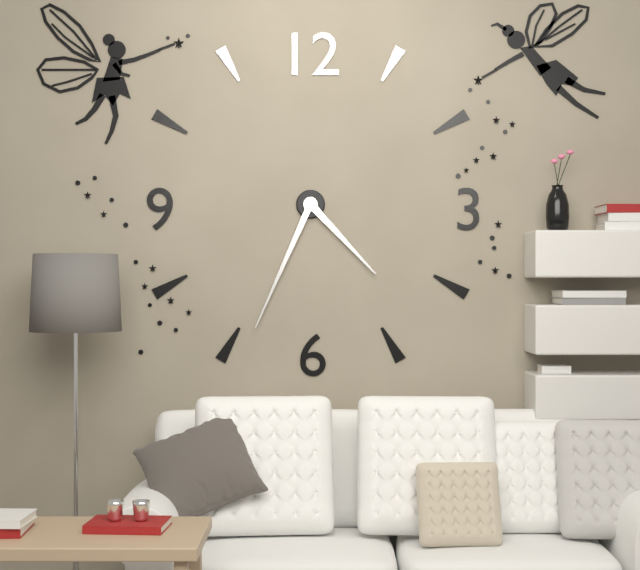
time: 4:34
